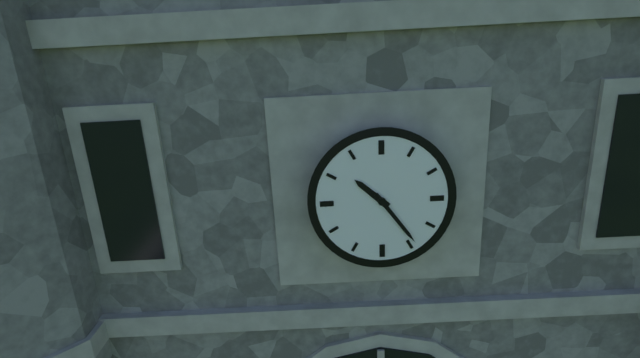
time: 10:24
